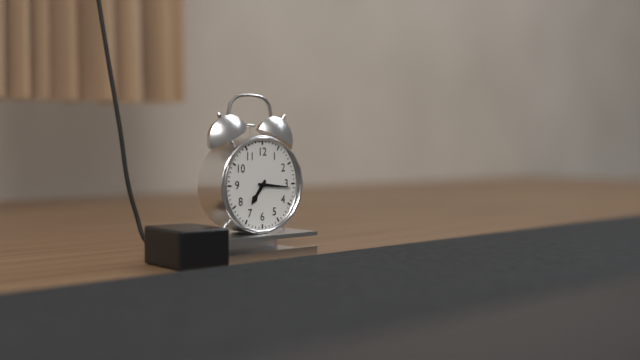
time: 7:16
